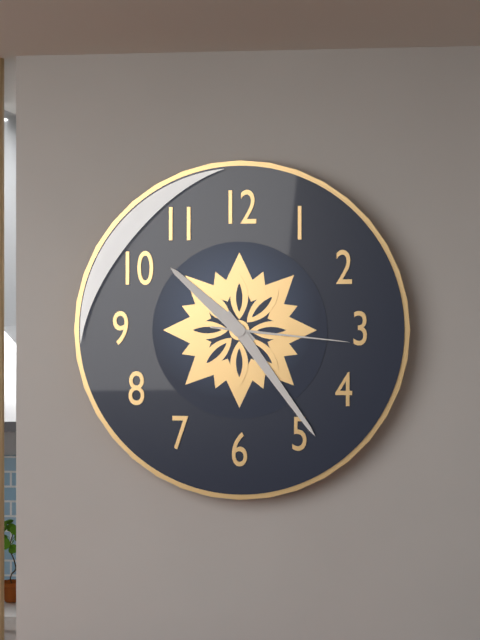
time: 10:24:16
